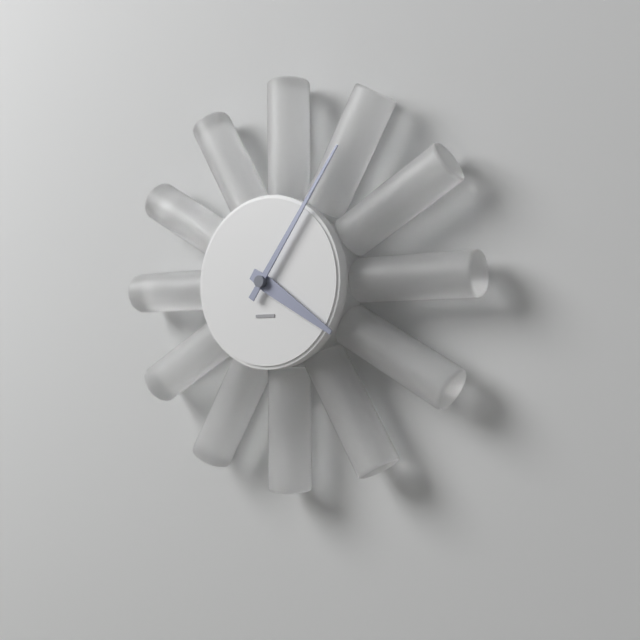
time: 4:06
